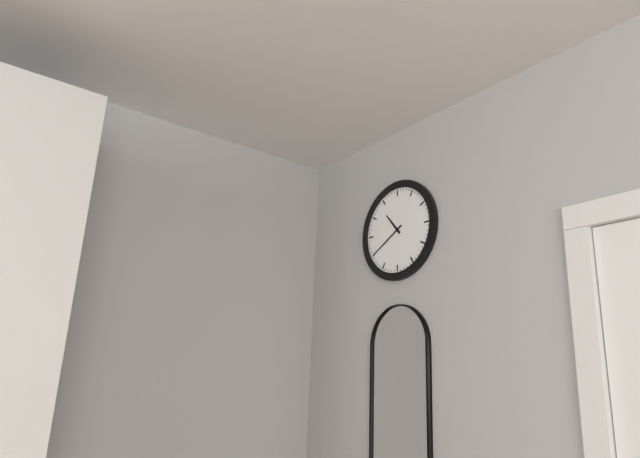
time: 10:40
